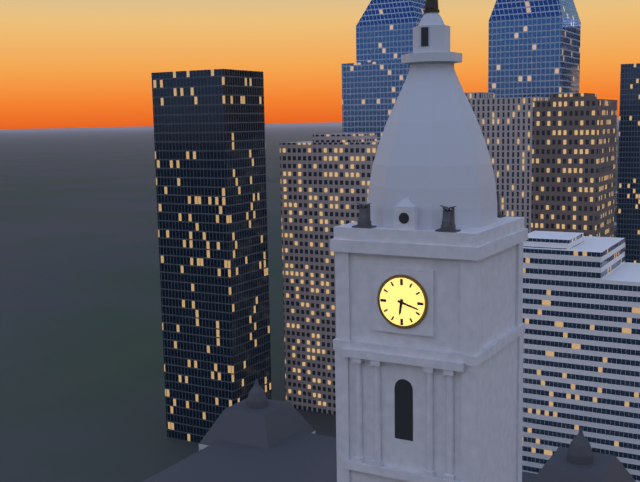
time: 6:18
